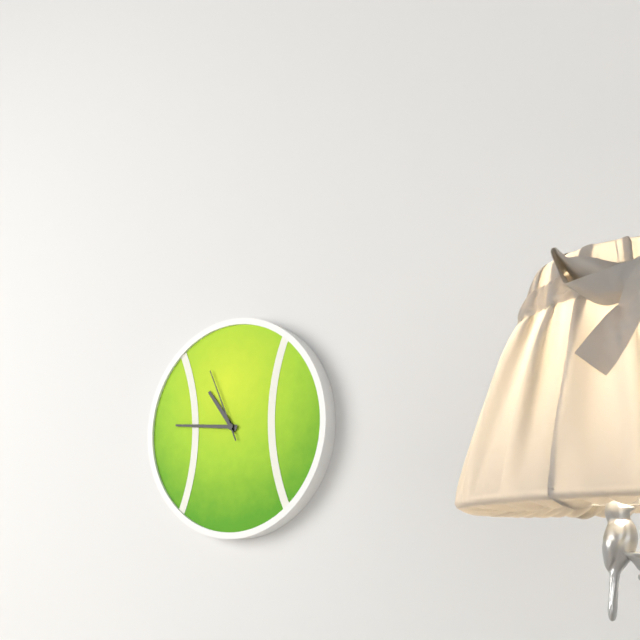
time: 10:46:56
